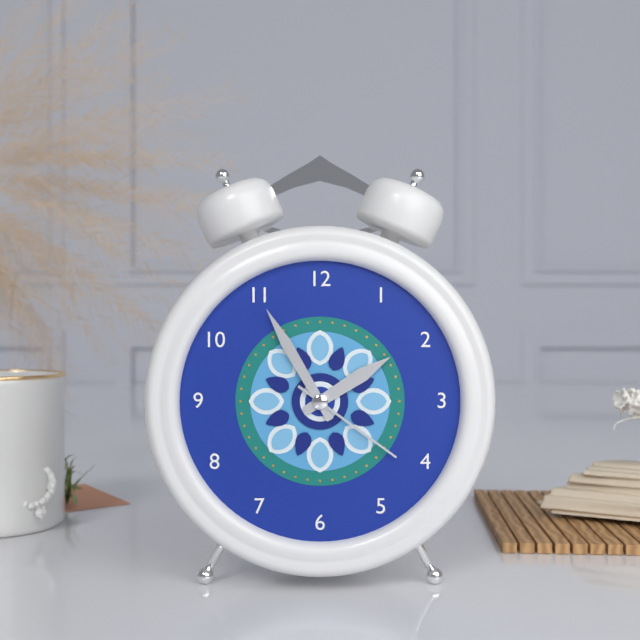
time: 1:55:21
